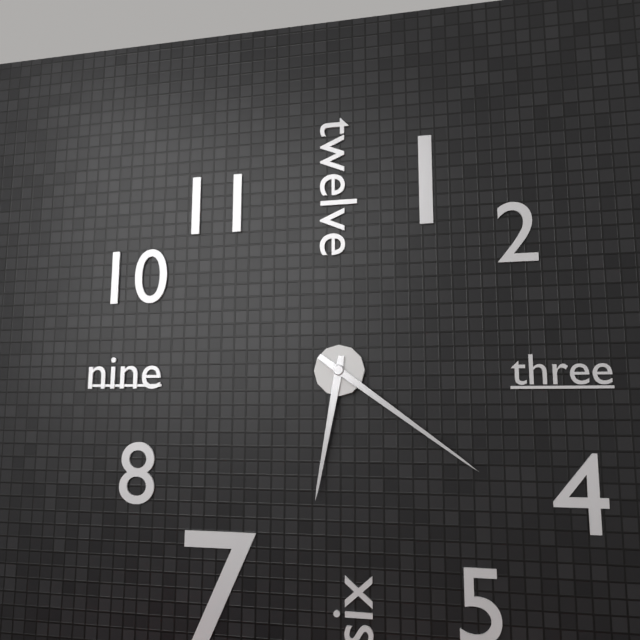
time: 6:21
